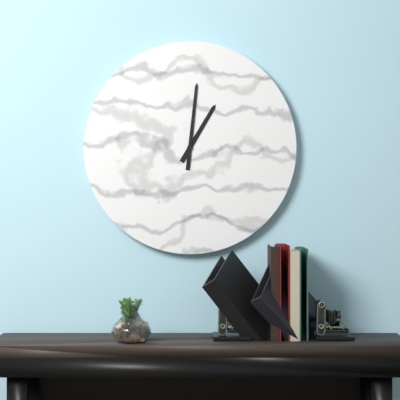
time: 1:01
